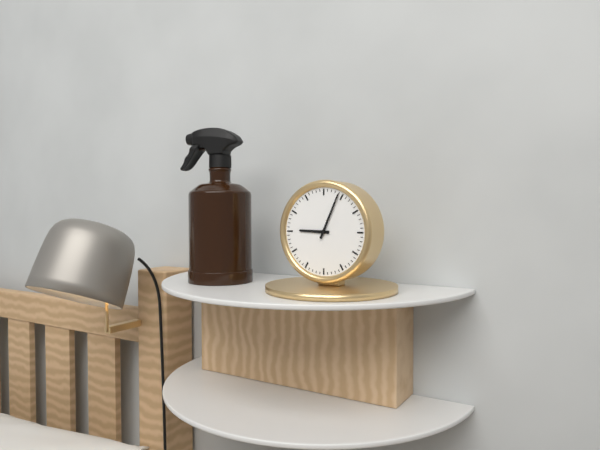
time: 9:04
